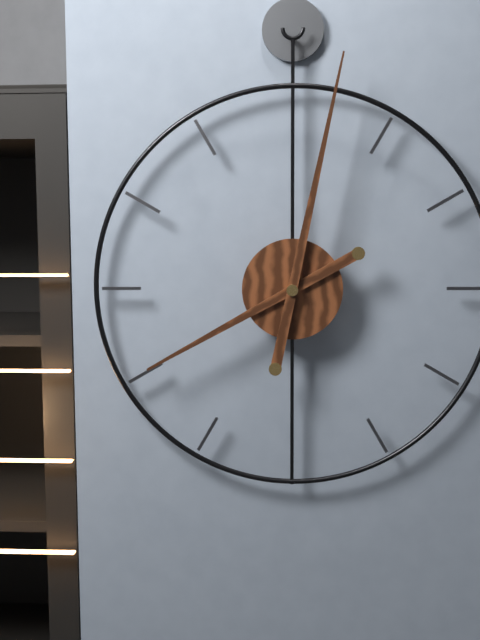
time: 8:02
